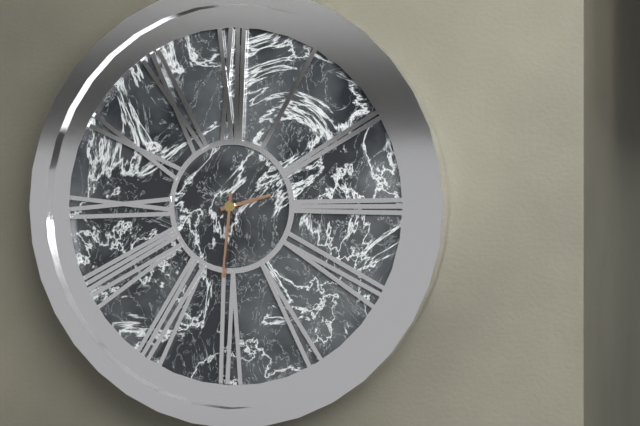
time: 2:31
